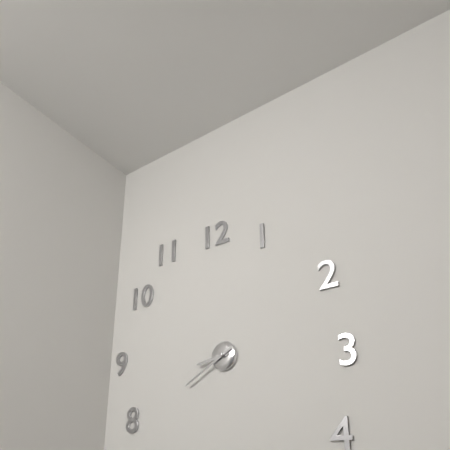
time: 8:40
